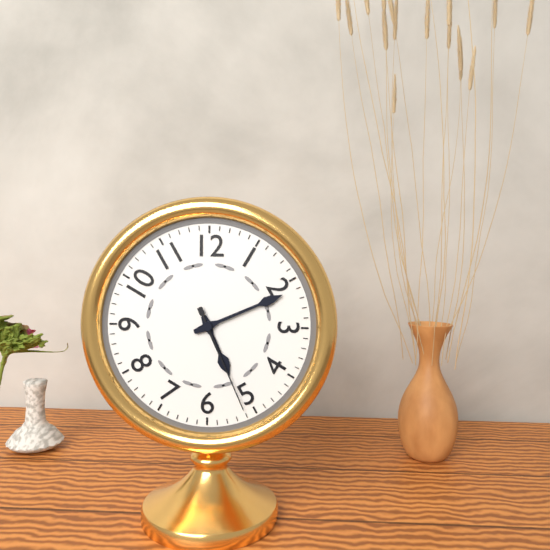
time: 5:11:26
